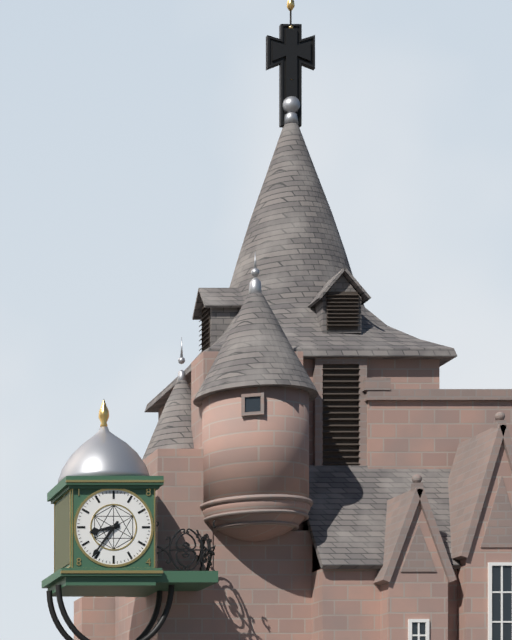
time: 8:36
